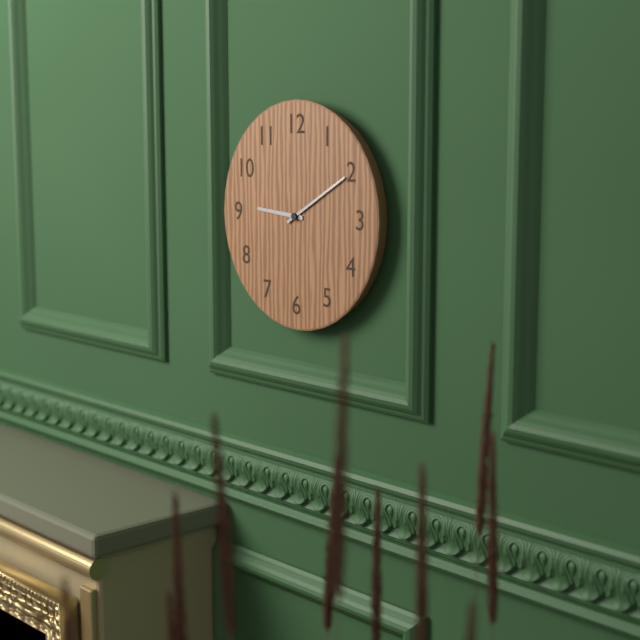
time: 9:10
